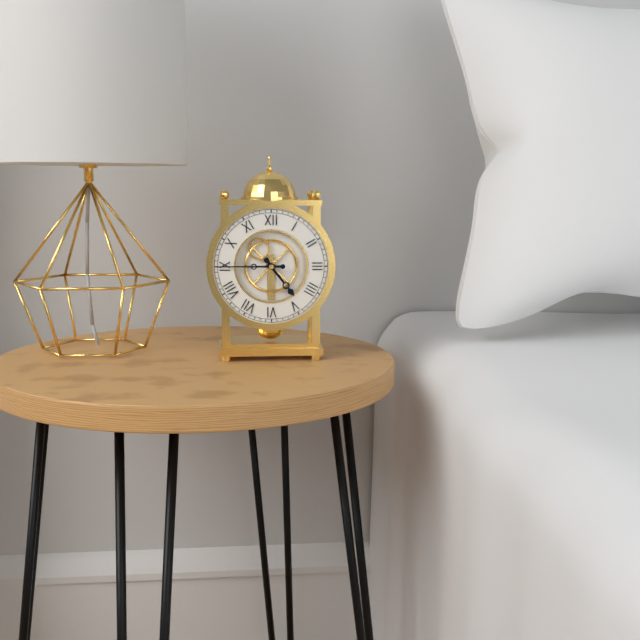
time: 4:45
